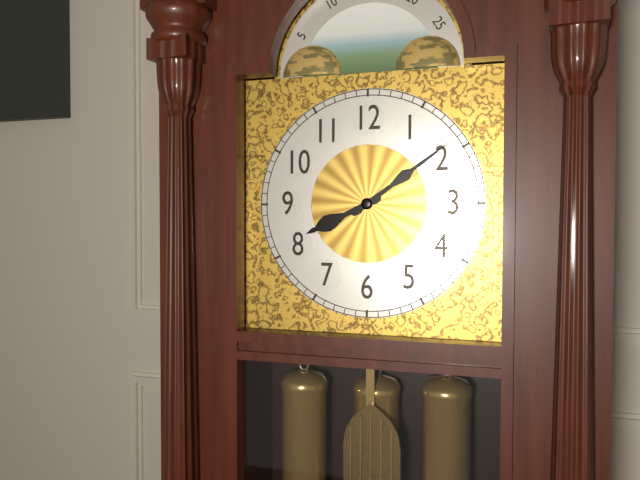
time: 8:09
